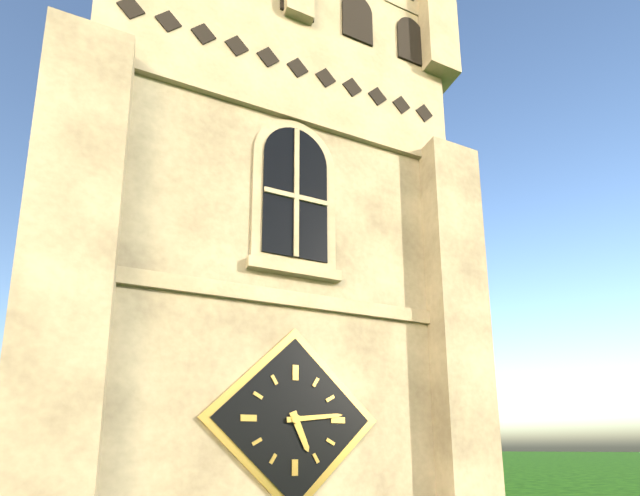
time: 5:14
